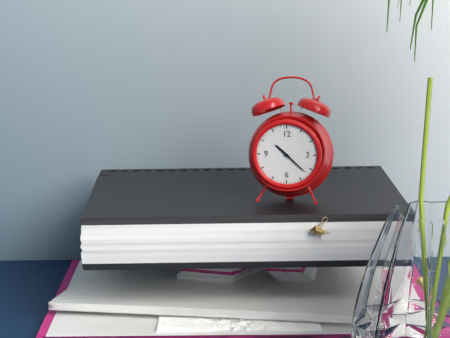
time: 10:22
